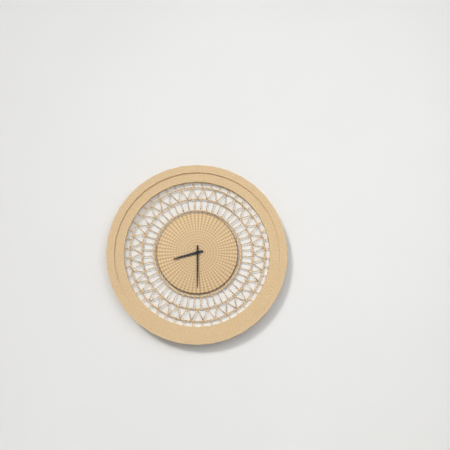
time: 8:30
